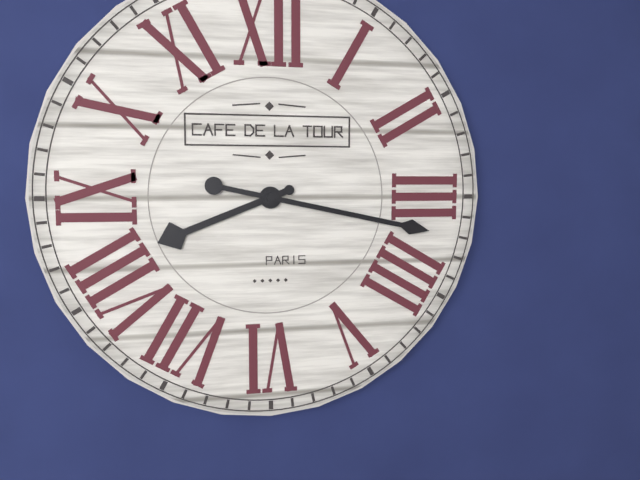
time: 8:17
